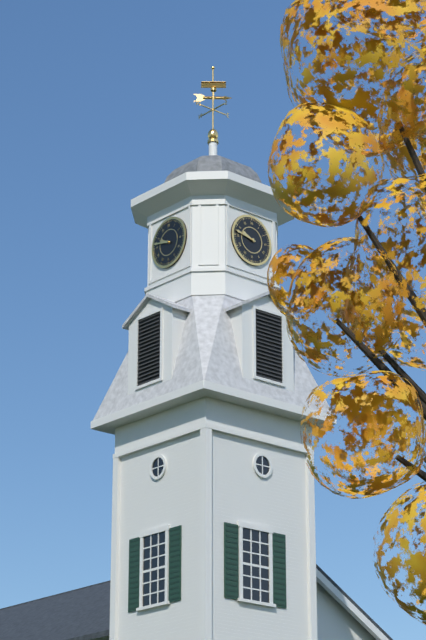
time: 9:47
